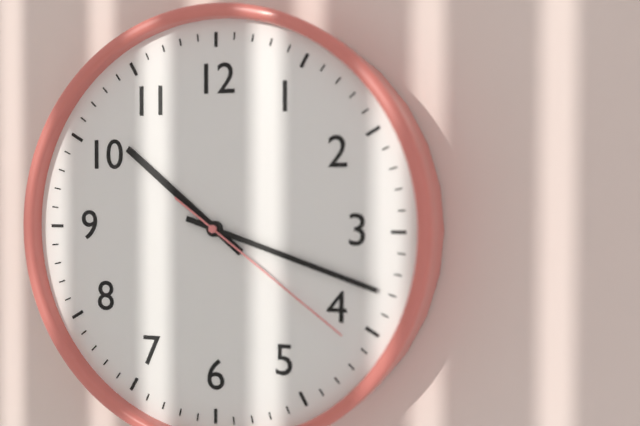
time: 10:18:21
